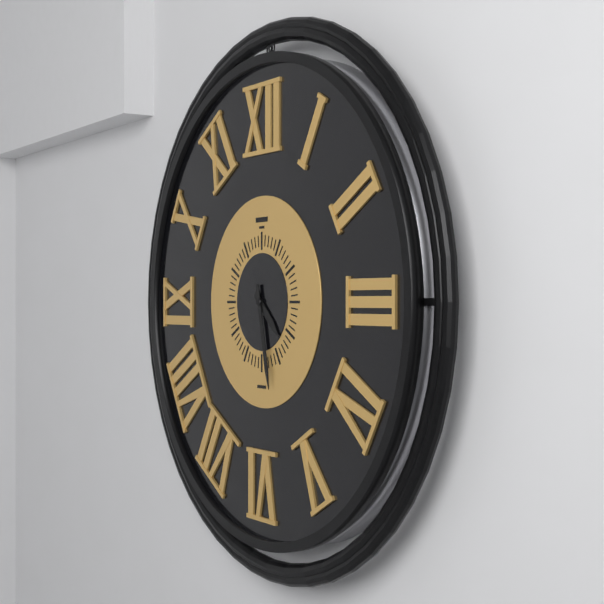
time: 4:28
